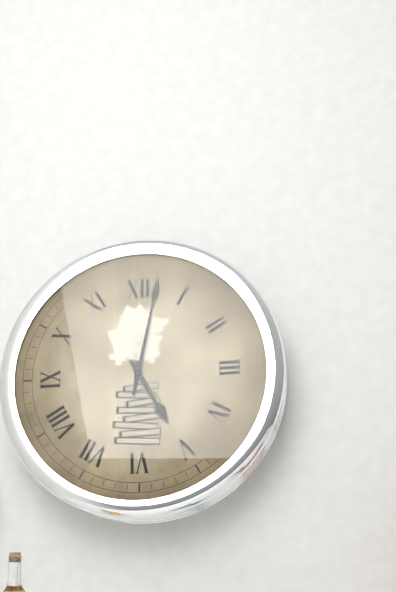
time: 5:02
